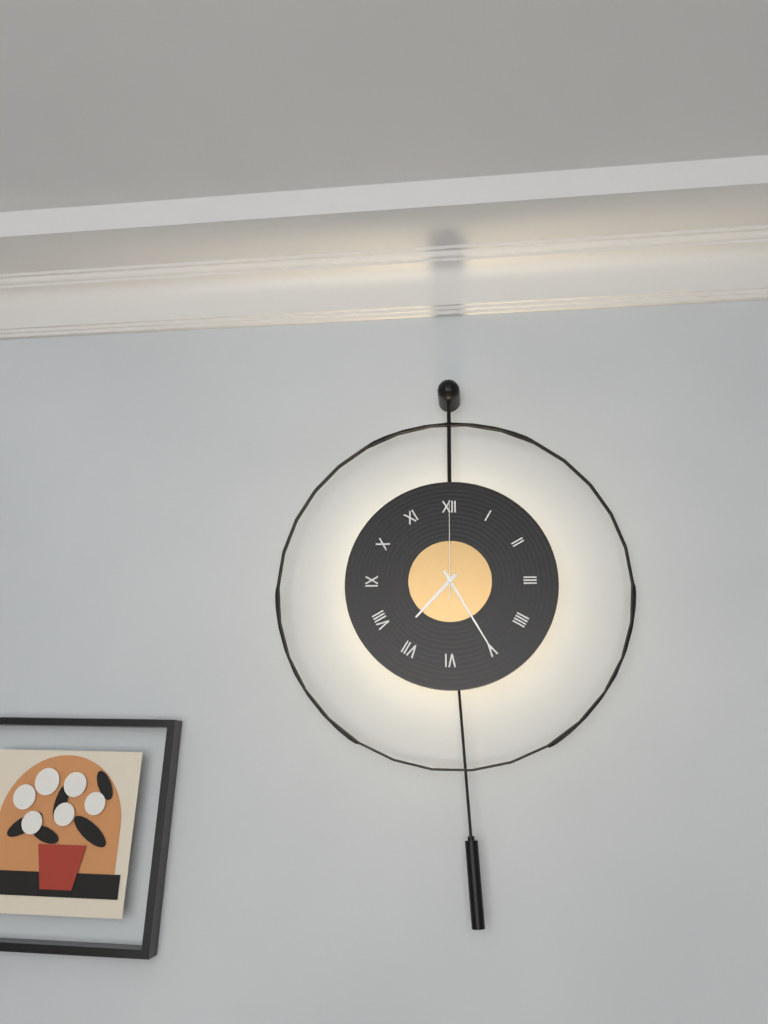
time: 7:25:00
